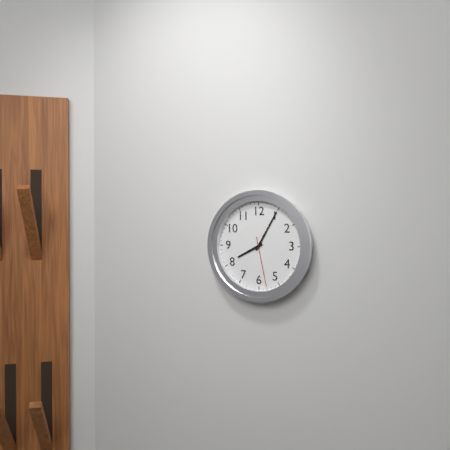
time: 8:05:28
